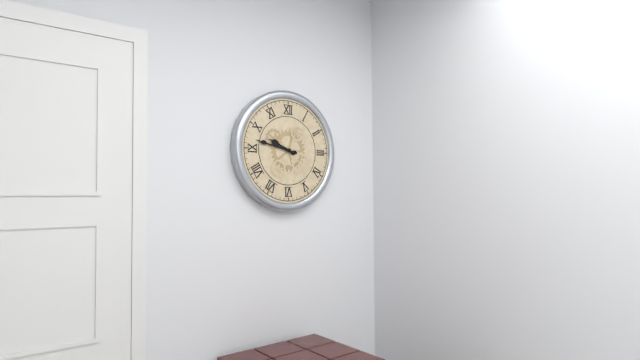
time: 9:47
